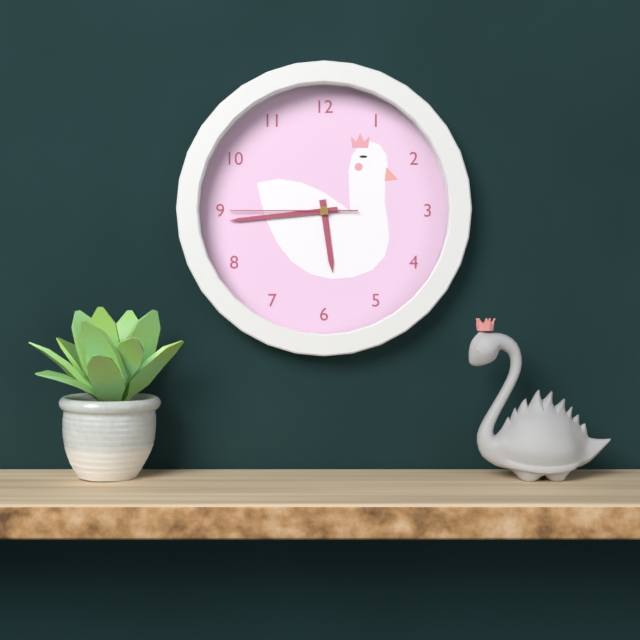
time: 5:44:45
